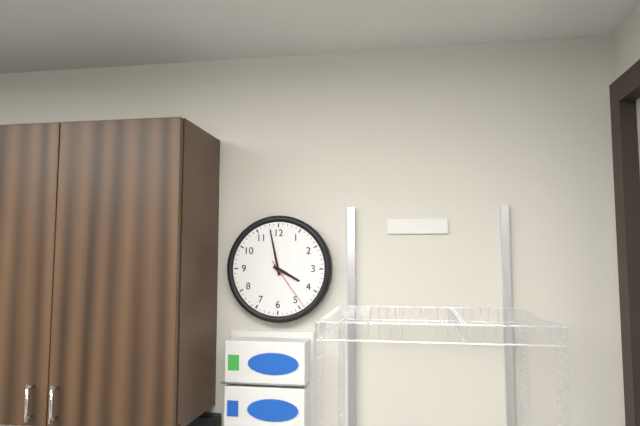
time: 3:58:24
